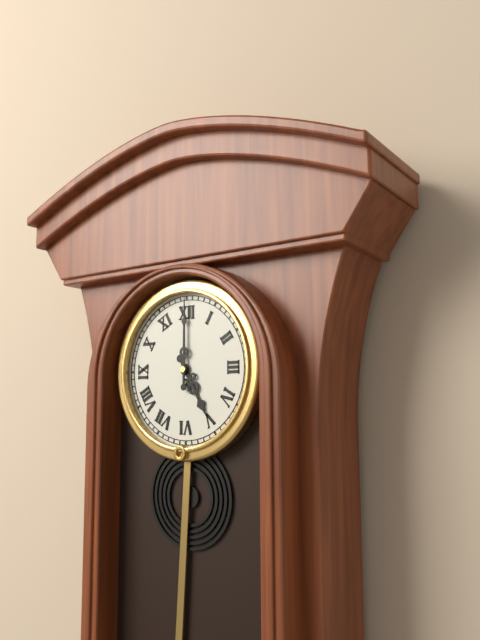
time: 5:00
